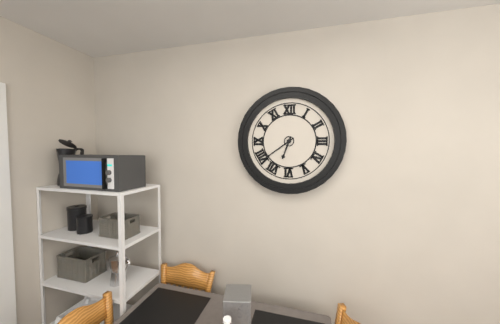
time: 6:39
